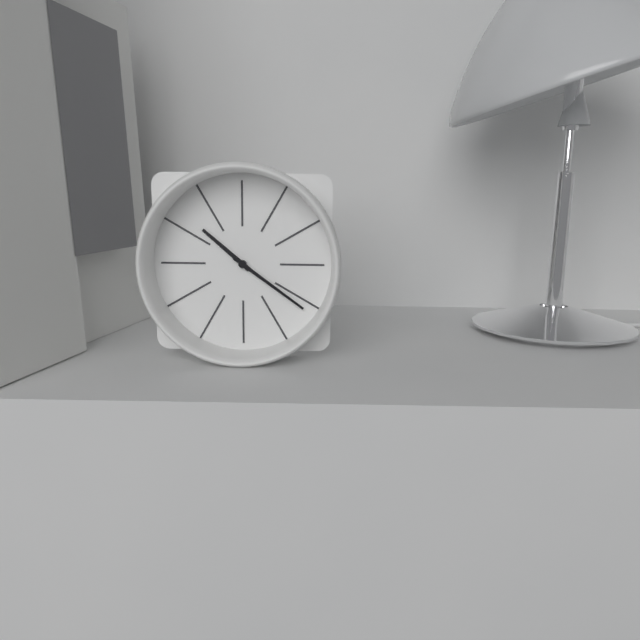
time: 10:21
